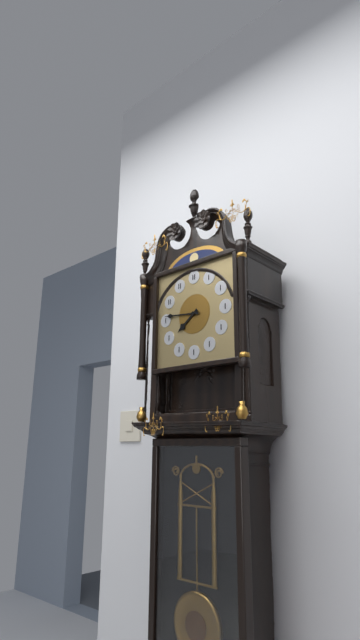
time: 7:46
